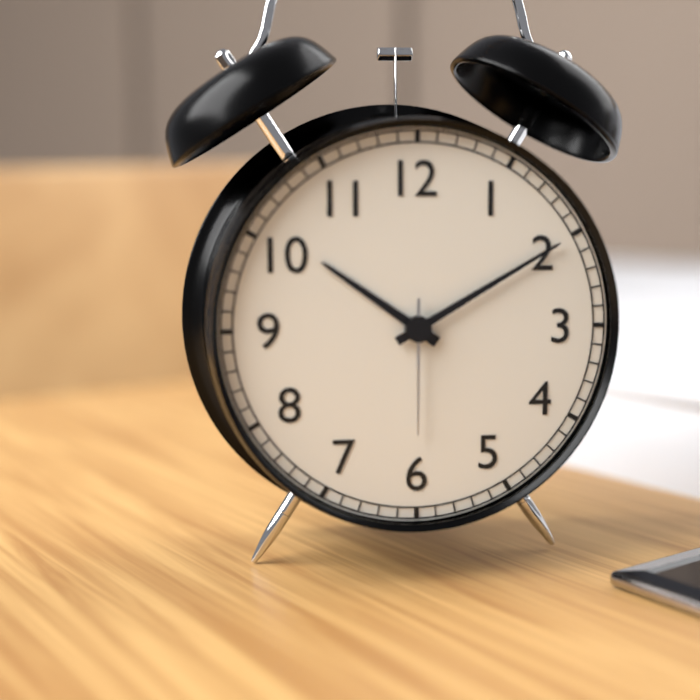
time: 10:10:30
